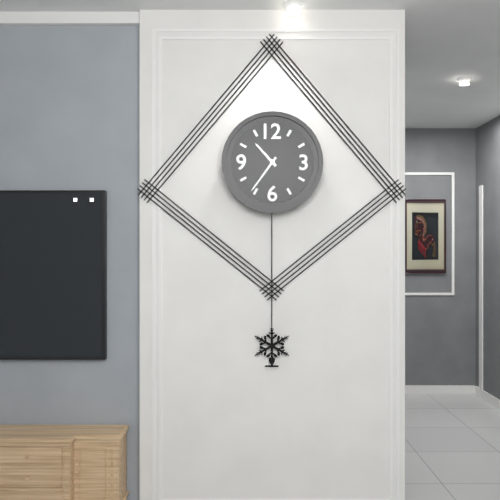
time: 10:36
